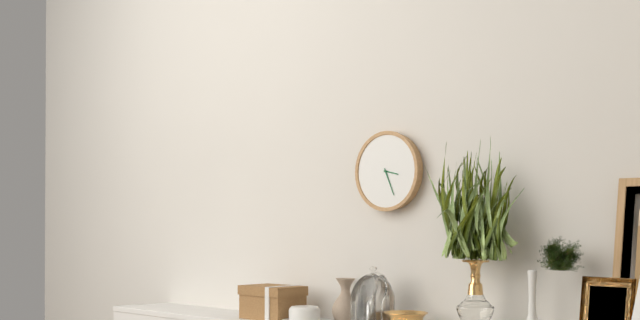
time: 3:26
